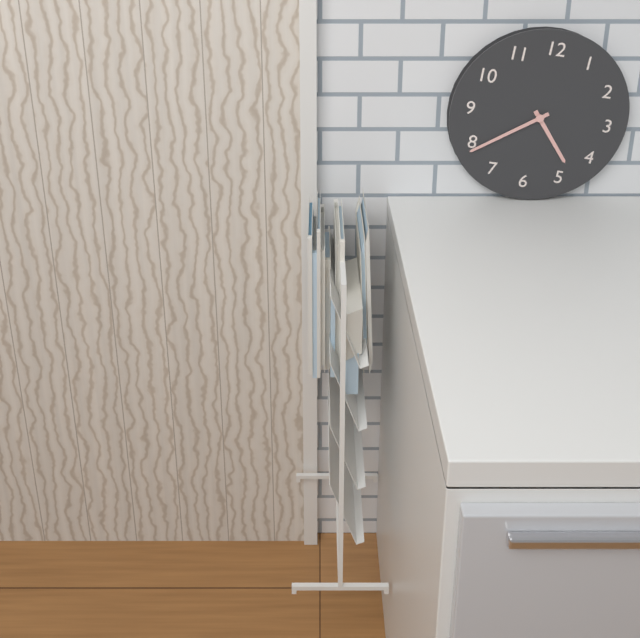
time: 4:39
